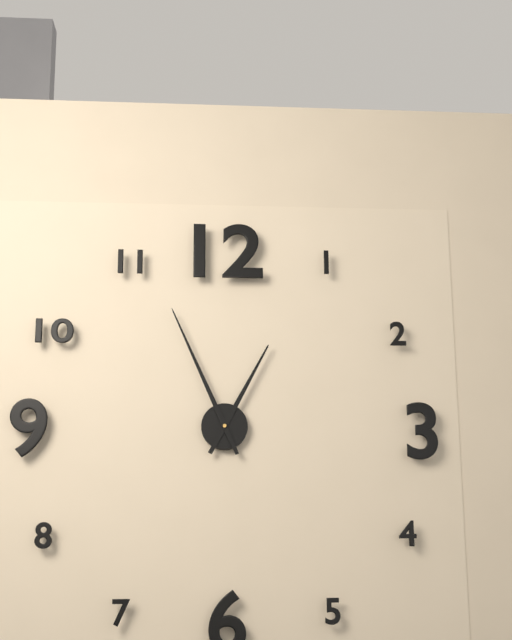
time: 12:56
